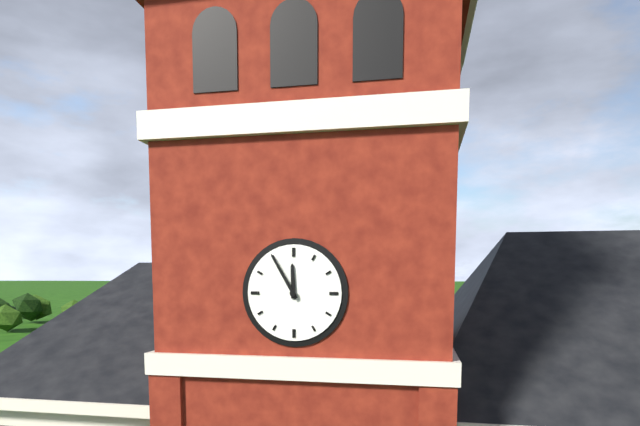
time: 11:55
